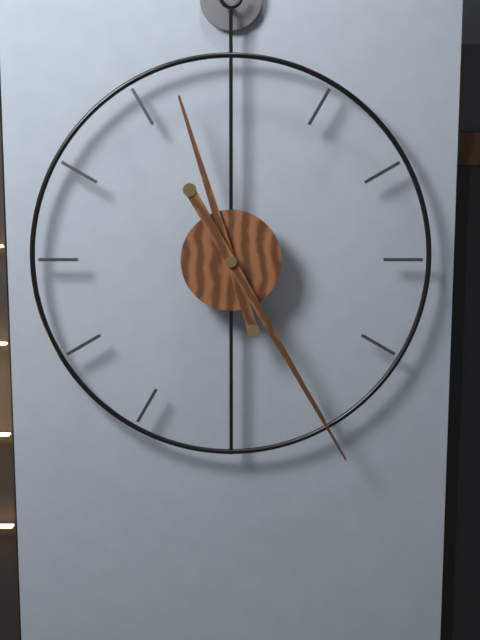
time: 11:25
